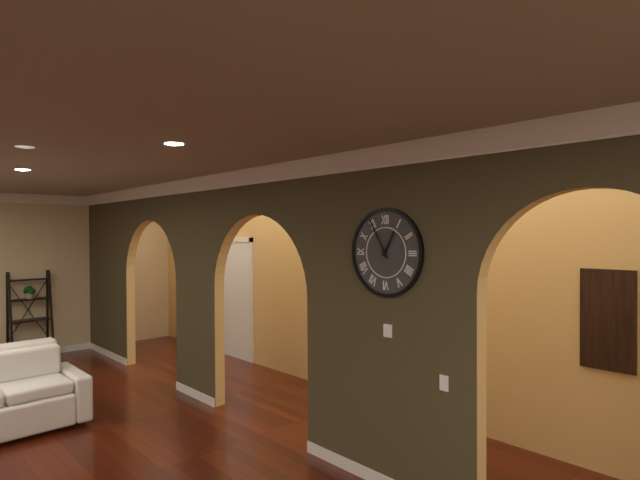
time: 12:55
